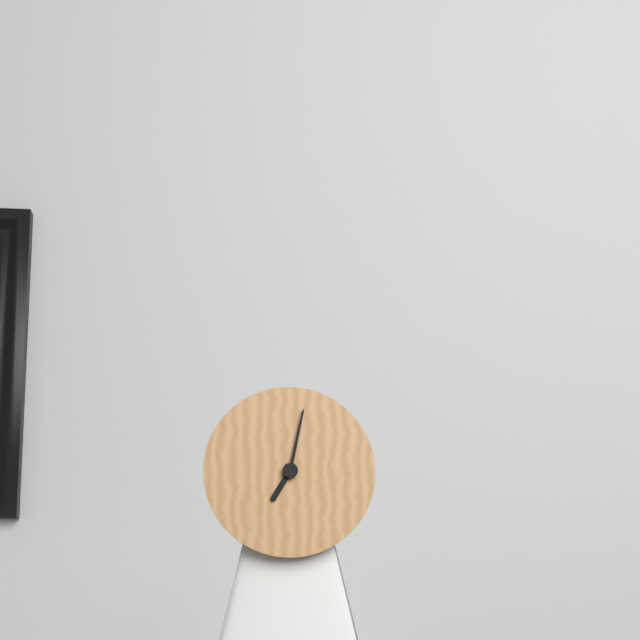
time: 7:02
